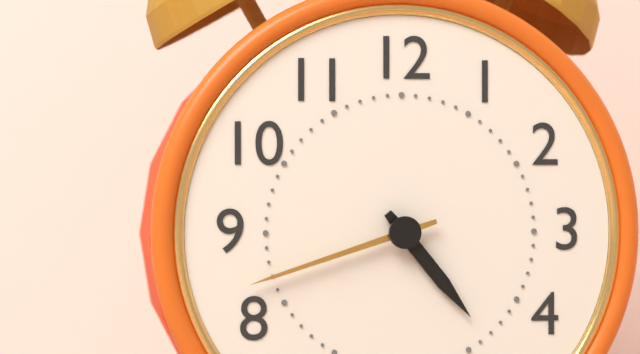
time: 4:42
